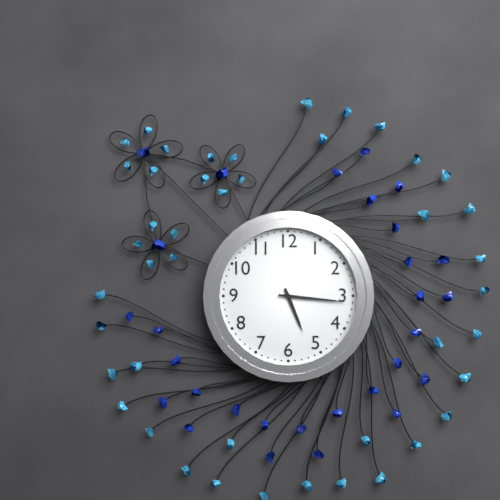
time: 5:16
